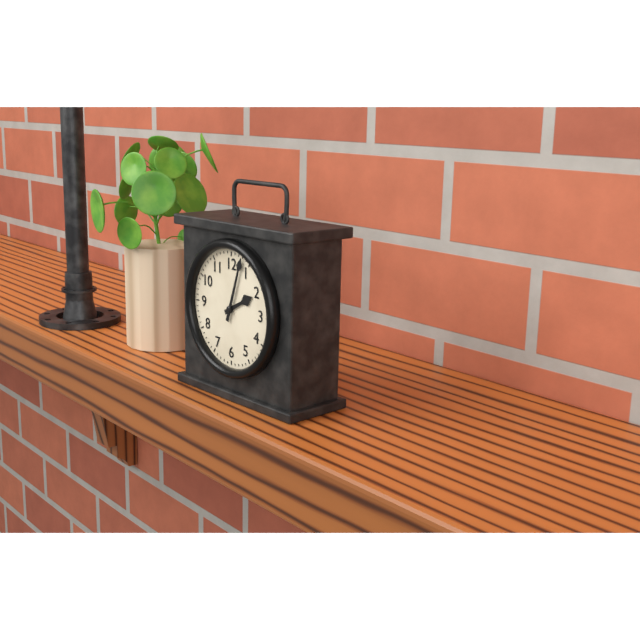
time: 2:03
